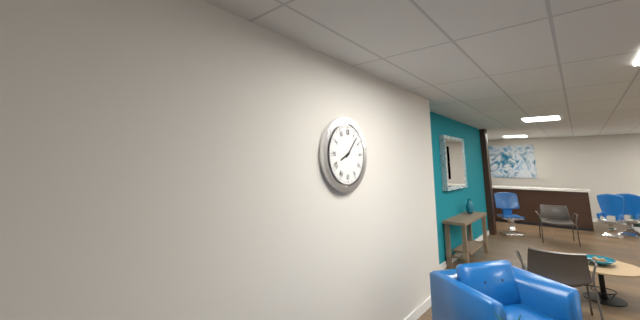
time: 8:07
